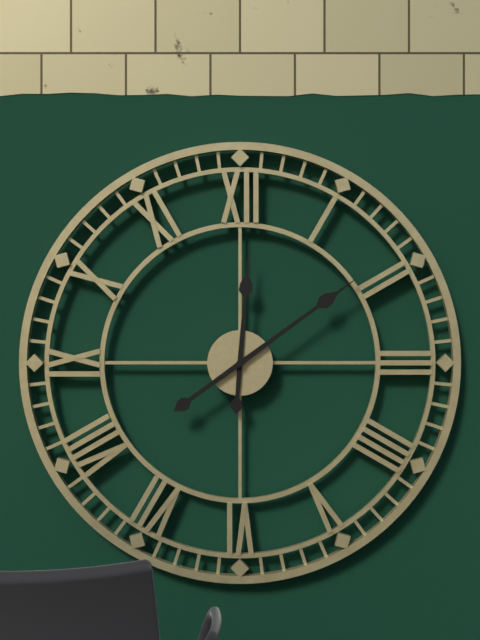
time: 12:09
